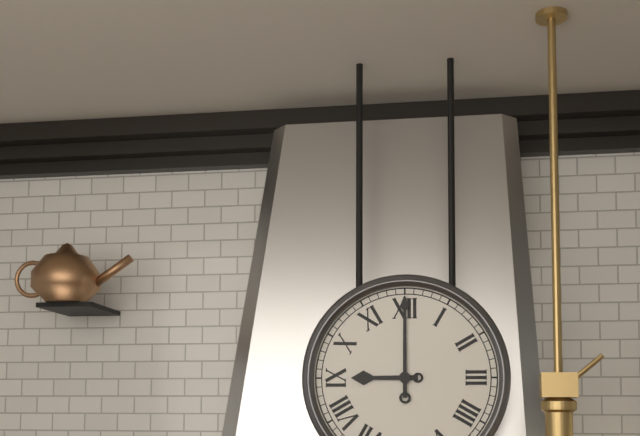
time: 9:00
